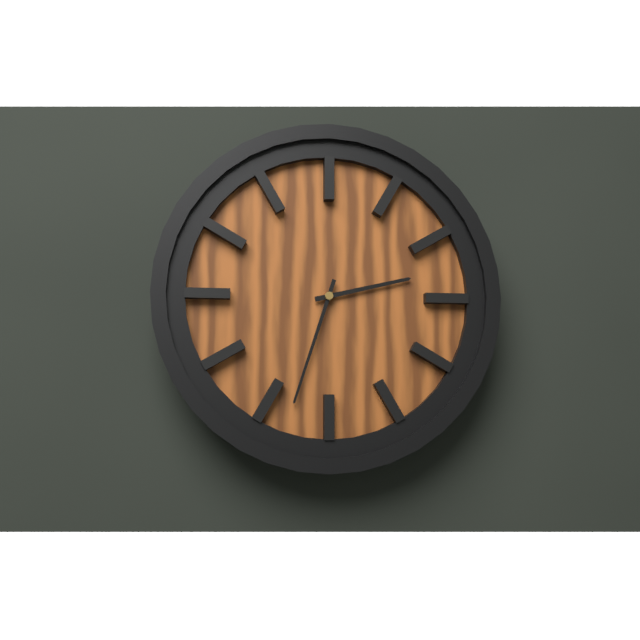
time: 2:33
